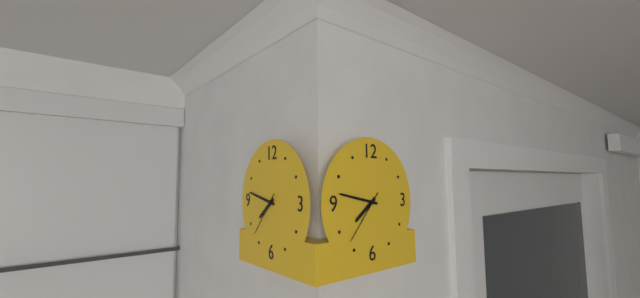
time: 7:47:37
